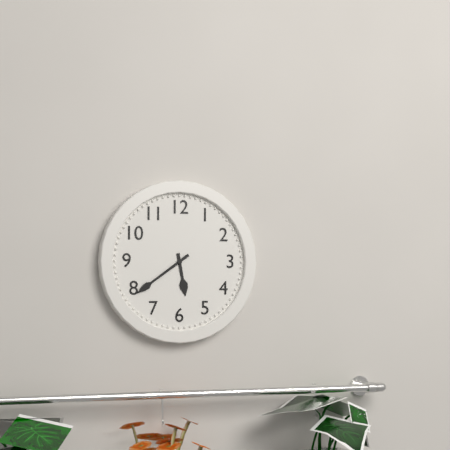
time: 5:39
